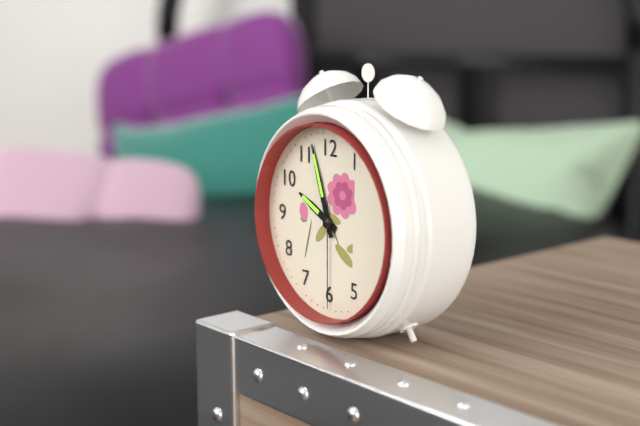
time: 9:57:30
